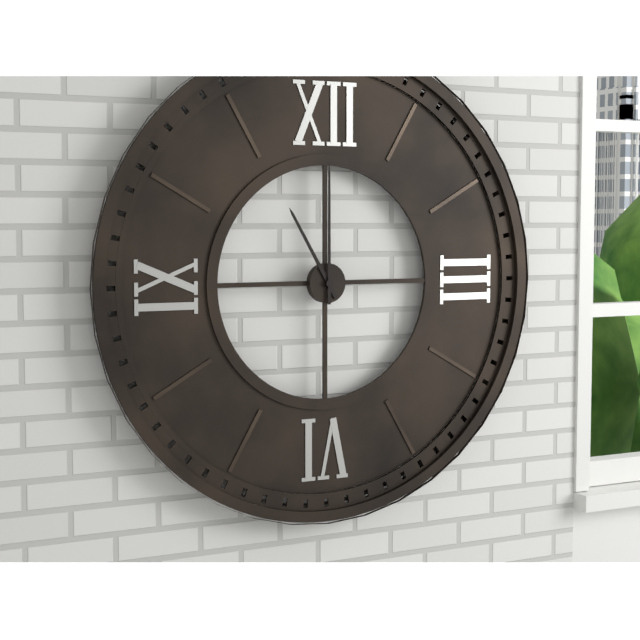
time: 11:00
